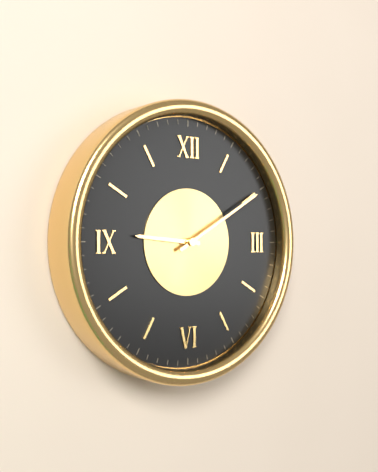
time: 9:10
